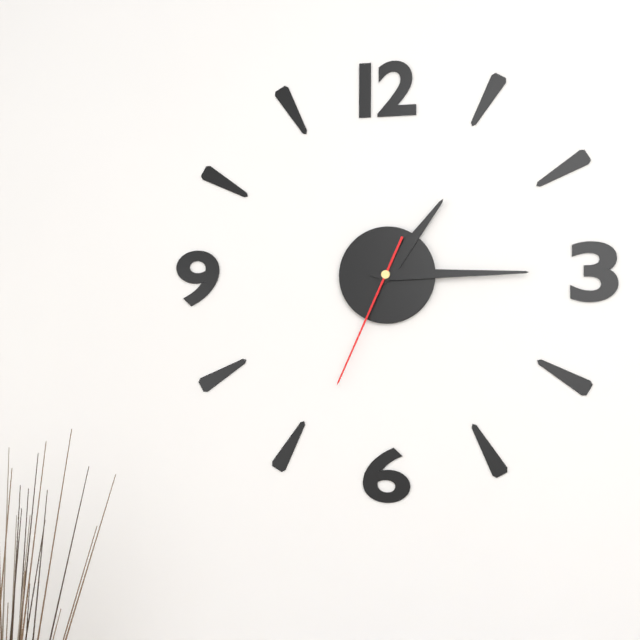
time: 1:15:34
